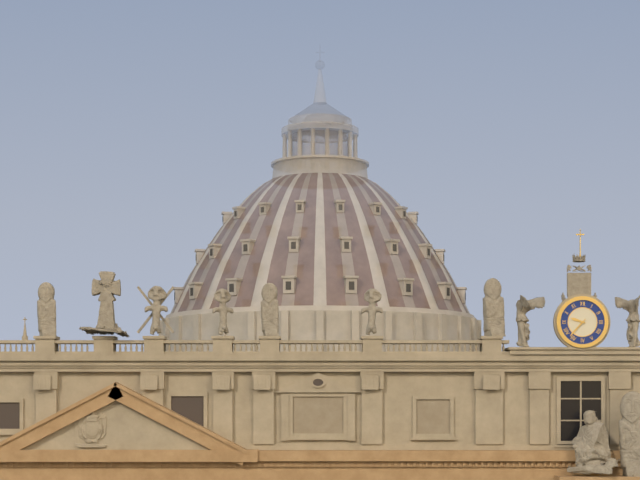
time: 9:37
